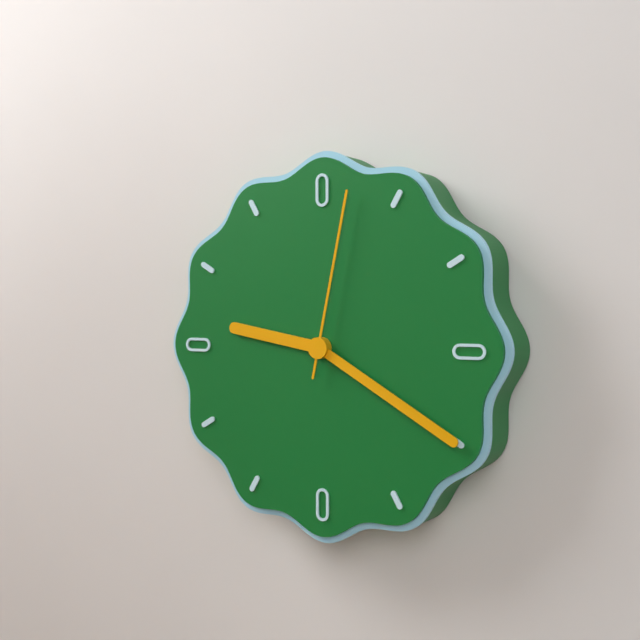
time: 9:20:02
